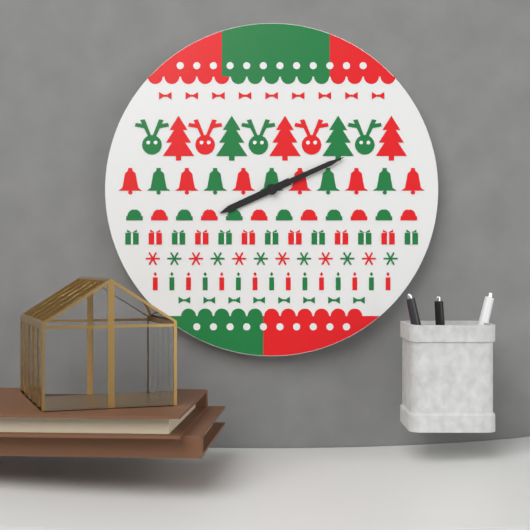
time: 8:11
